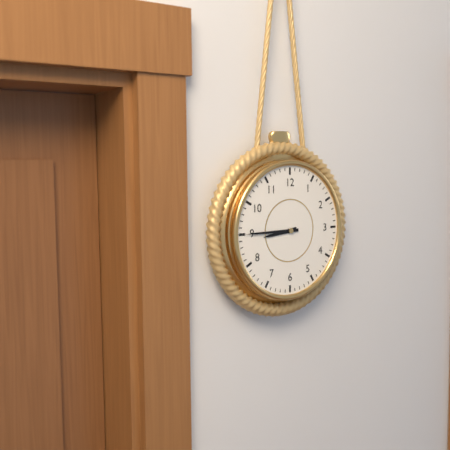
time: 8:45
